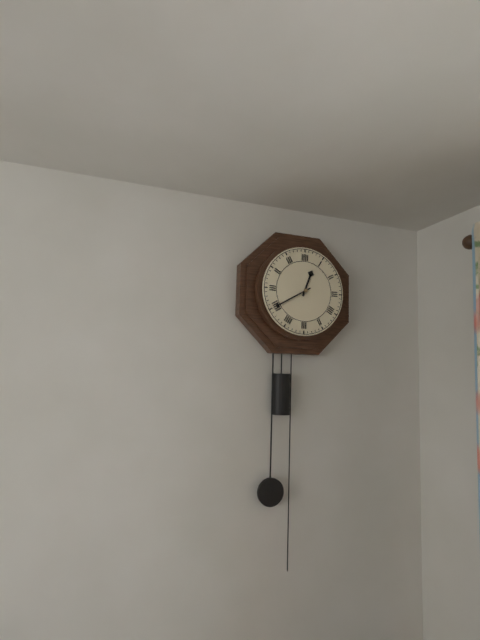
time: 12:40
